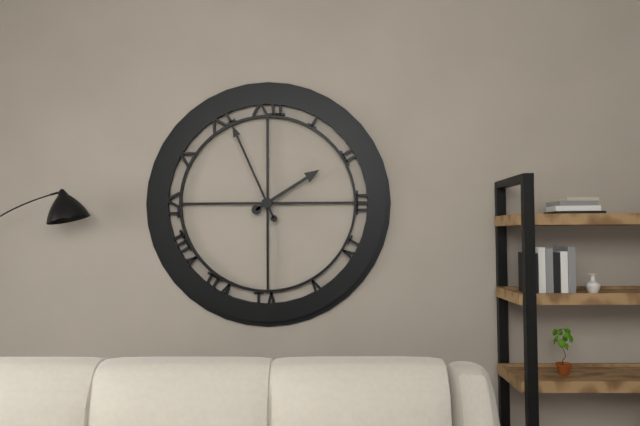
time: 1:56
